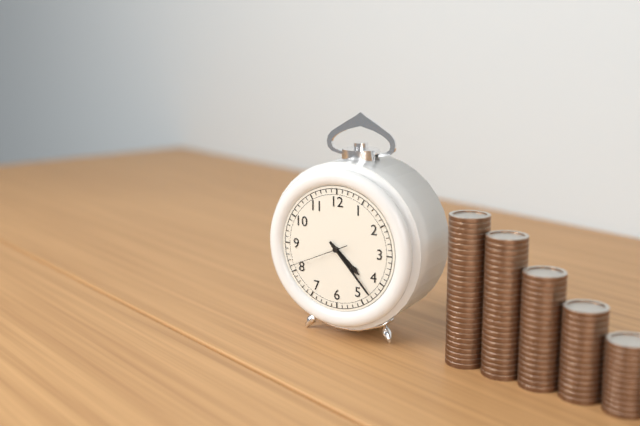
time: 4:23:41
